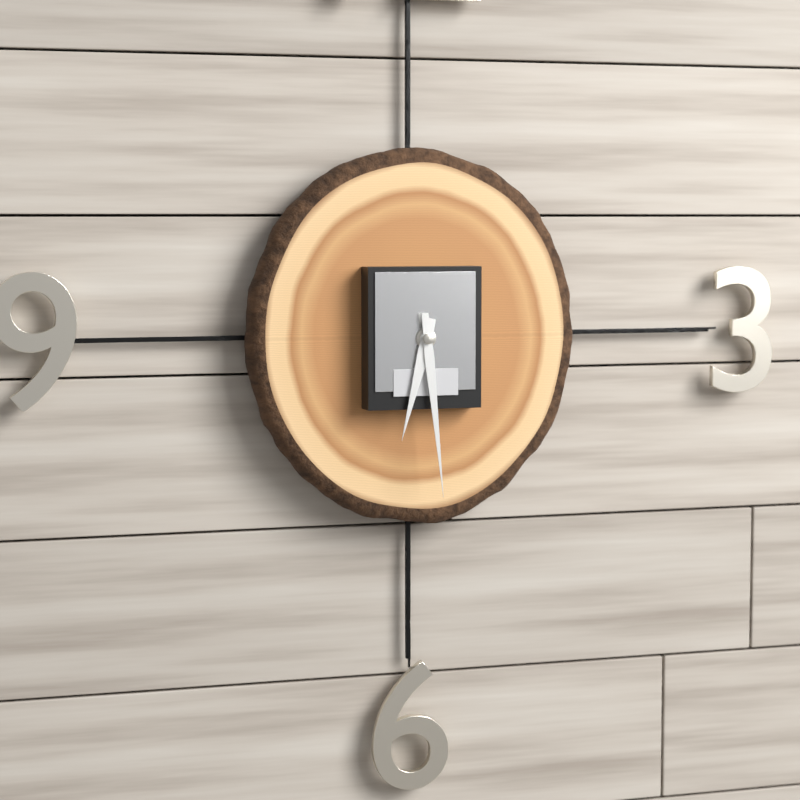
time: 6:29
